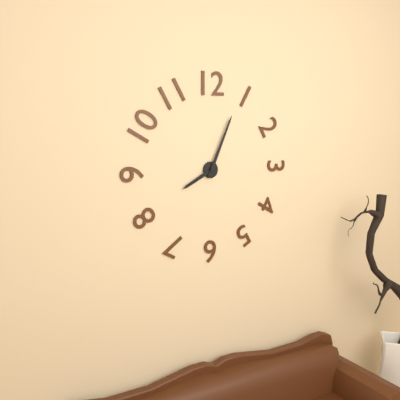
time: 8:04
